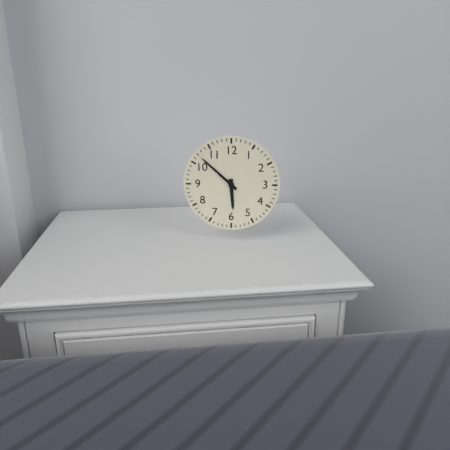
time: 5:52
